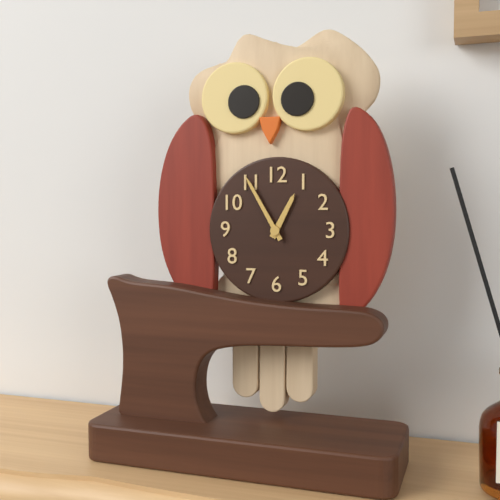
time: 12:55
